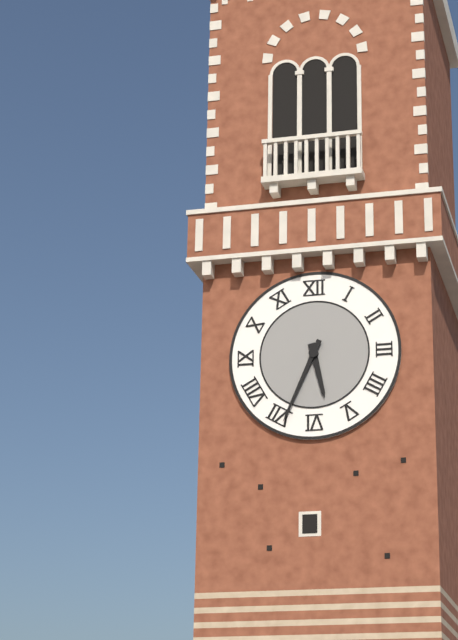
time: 5:34
